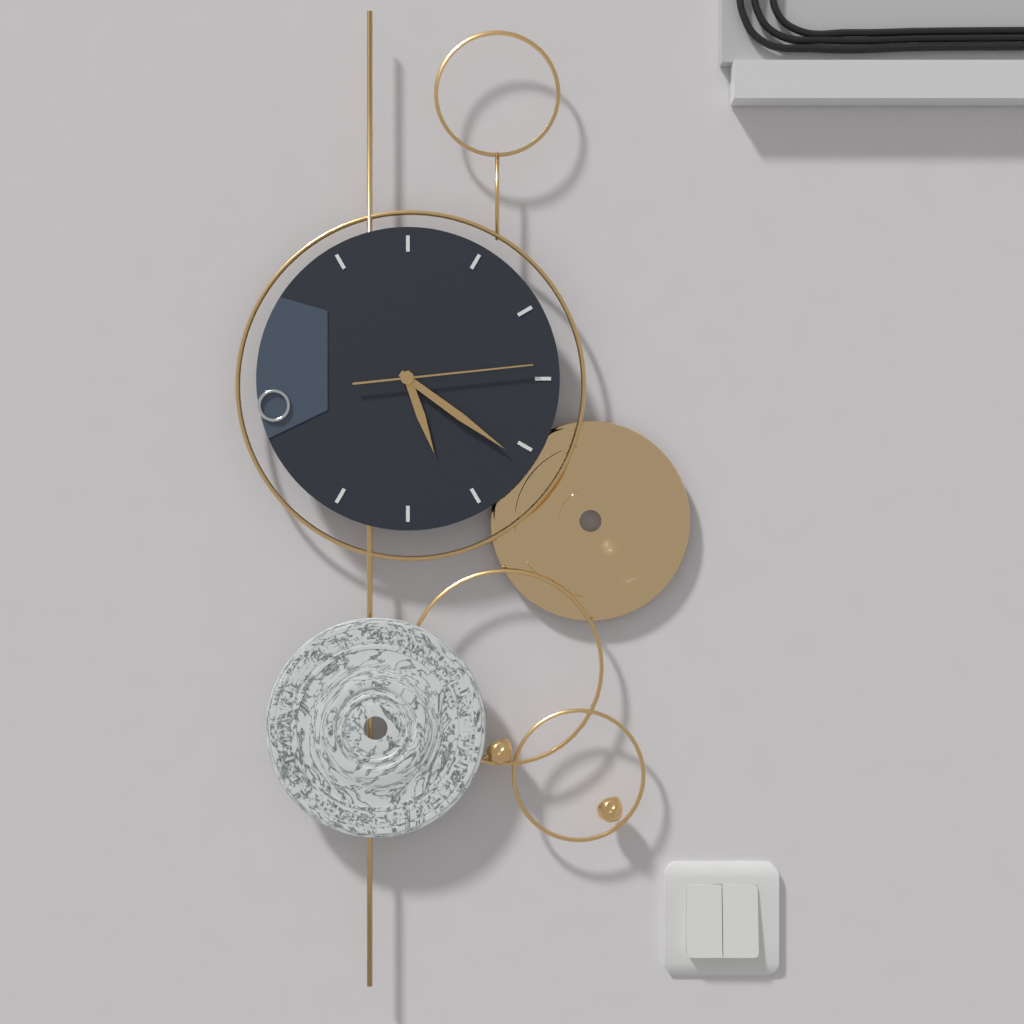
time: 5:21:14
